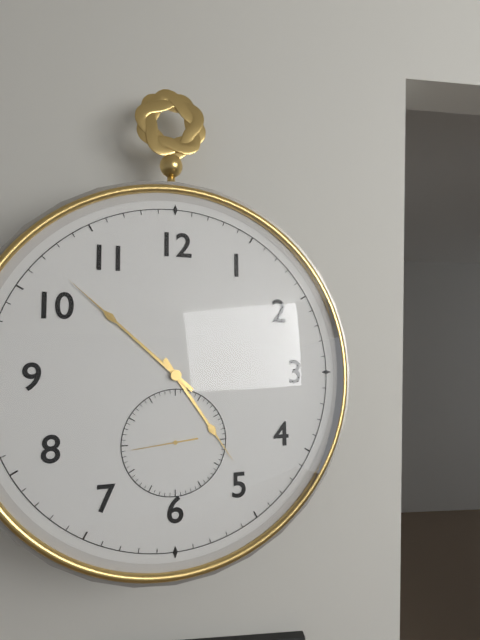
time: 4:52:44
